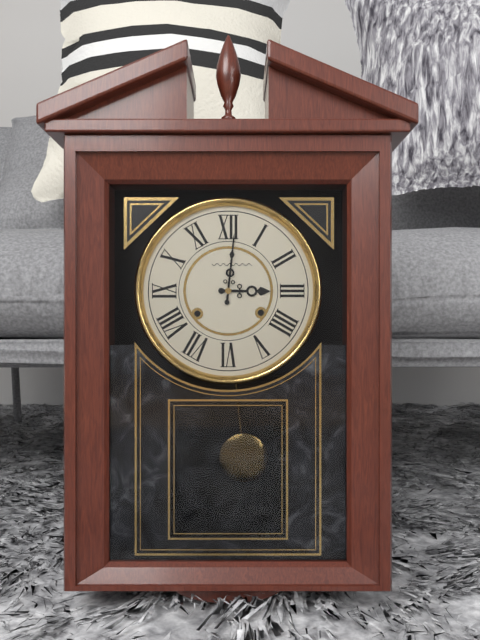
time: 3:01
